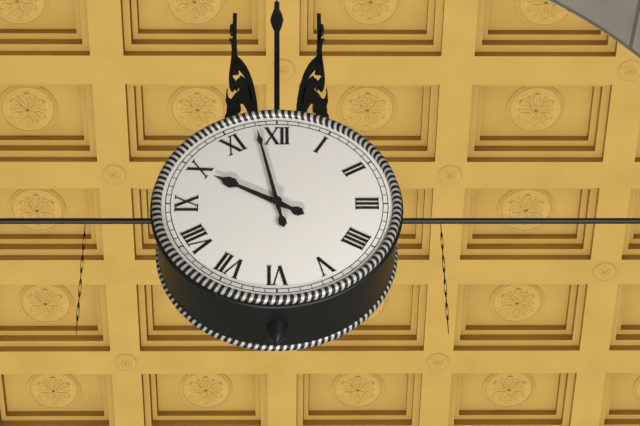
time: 9:58
